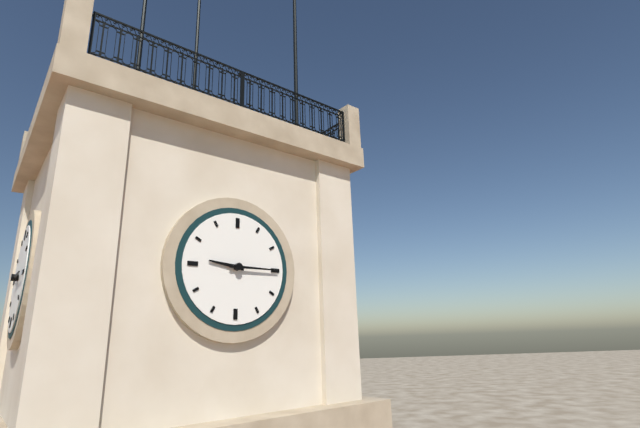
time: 9:15
